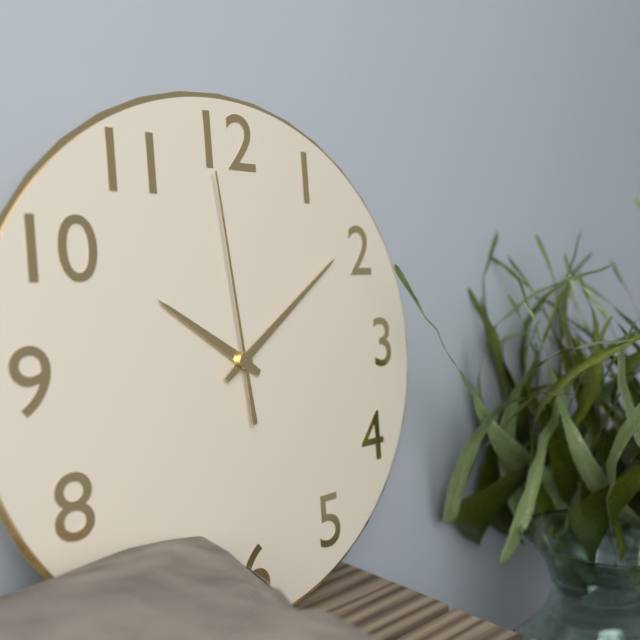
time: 10:09:59
